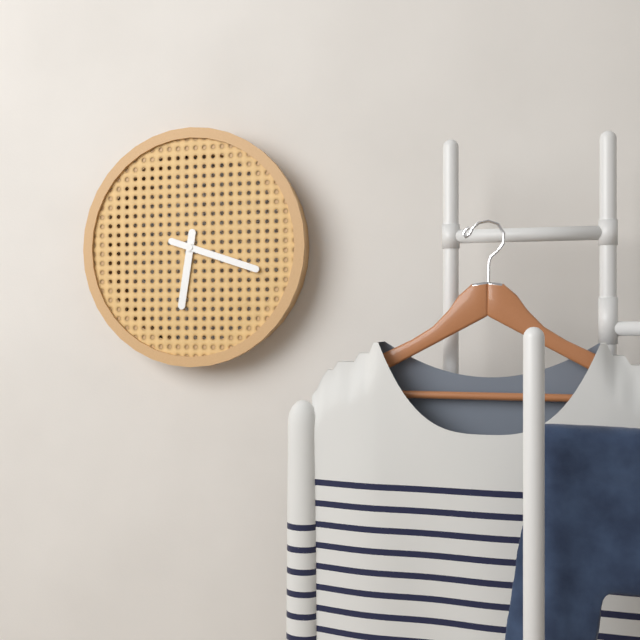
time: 6:18
